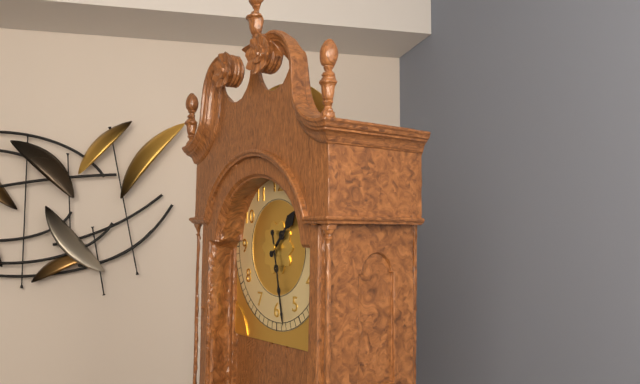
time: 1:28
